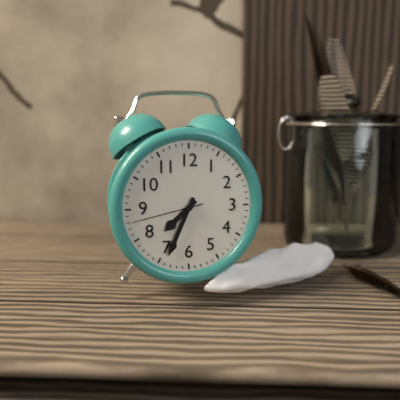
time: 7:34:43
